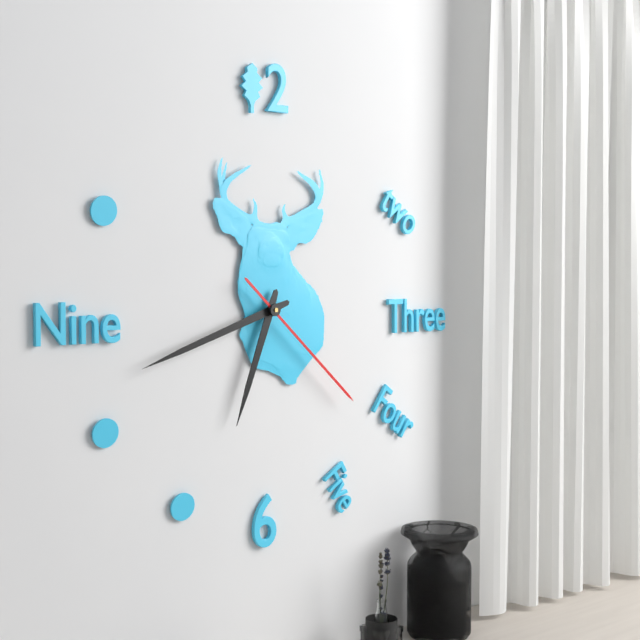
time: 6:42:22
